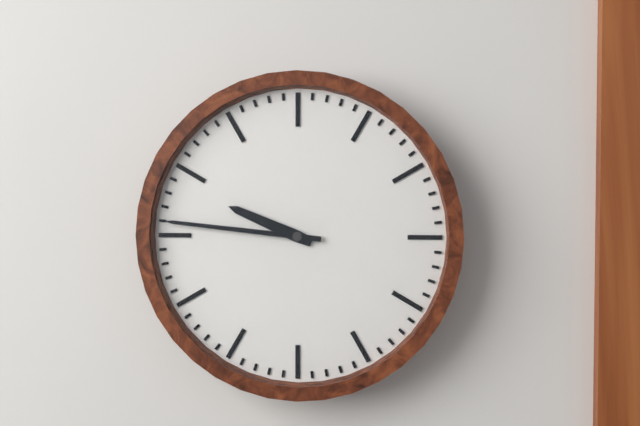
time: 9:46
